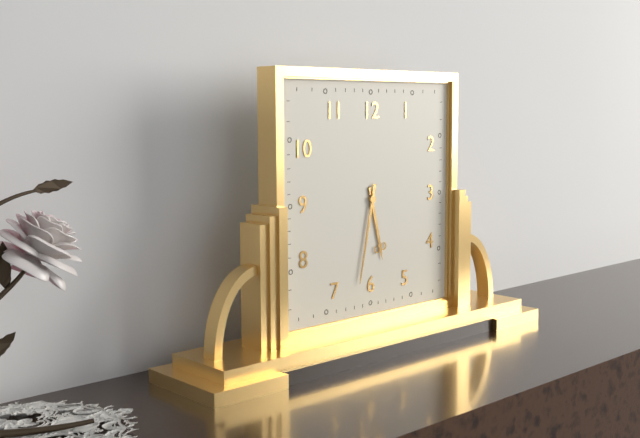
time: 5:32
